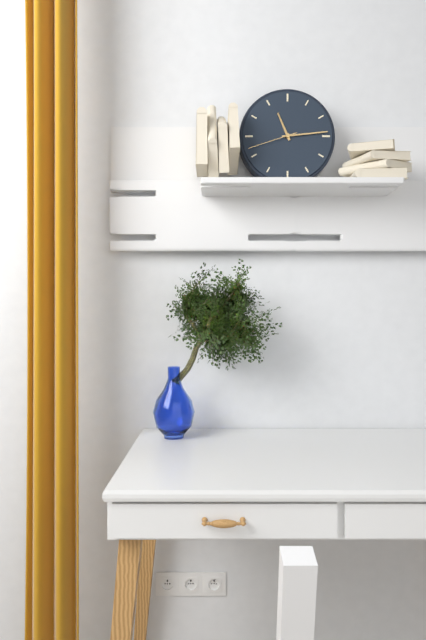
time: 11:14:42
